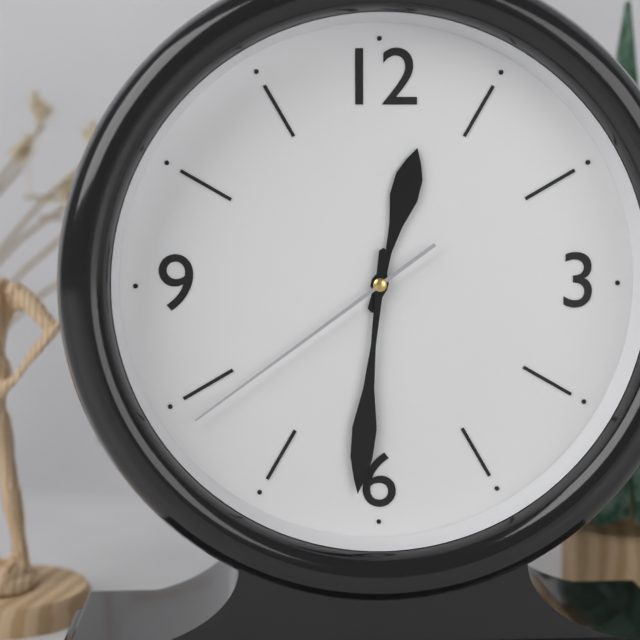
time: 12:31:39
